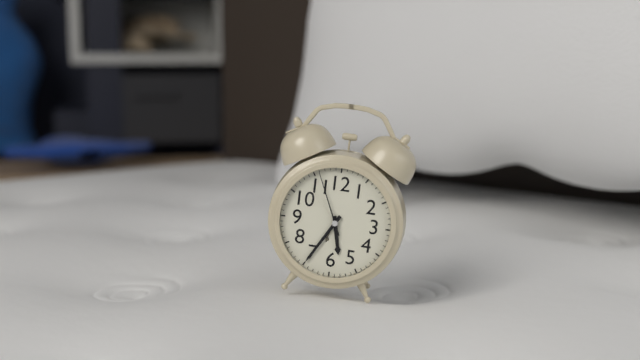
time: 5:35:56
